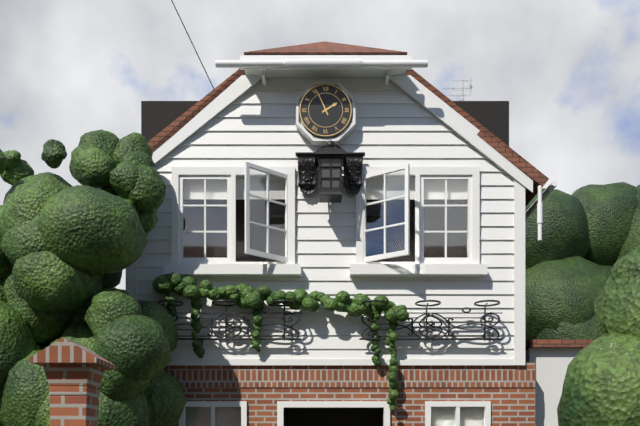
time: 1:56
